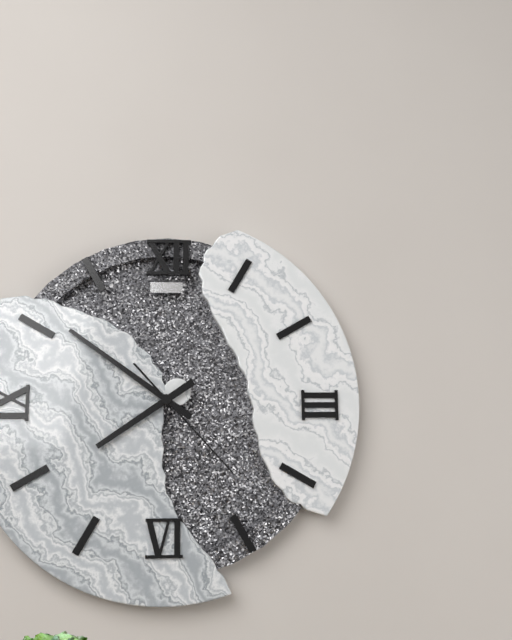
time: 7:51:23
